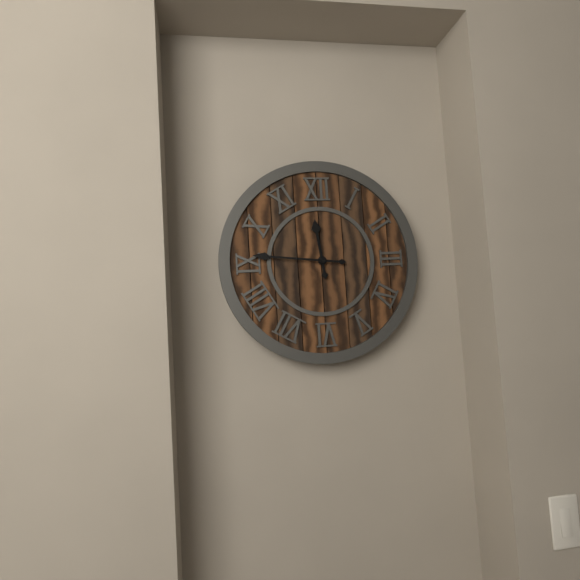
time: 11:46
